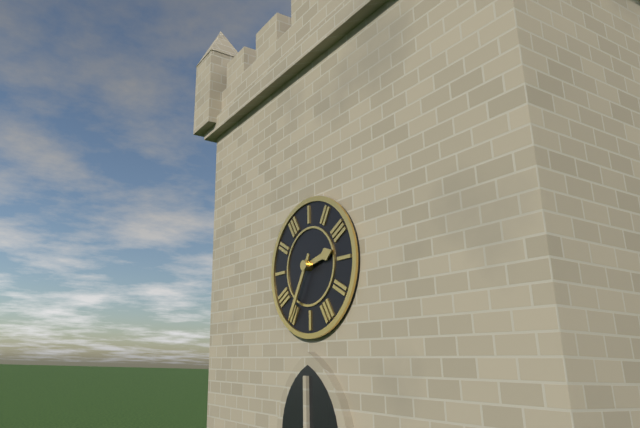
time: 2:35
